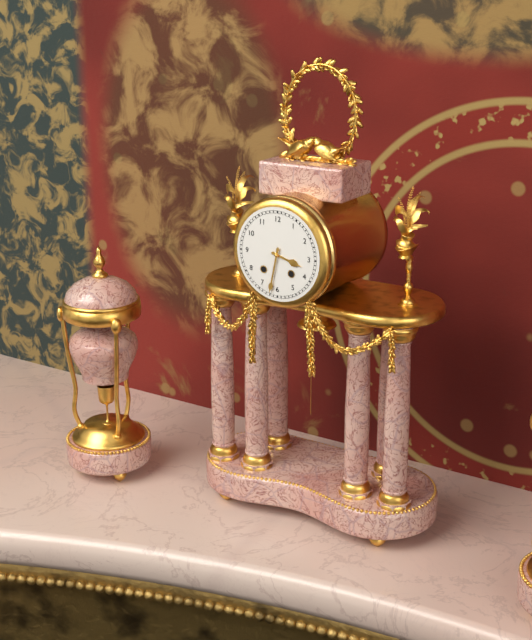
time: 3:32
